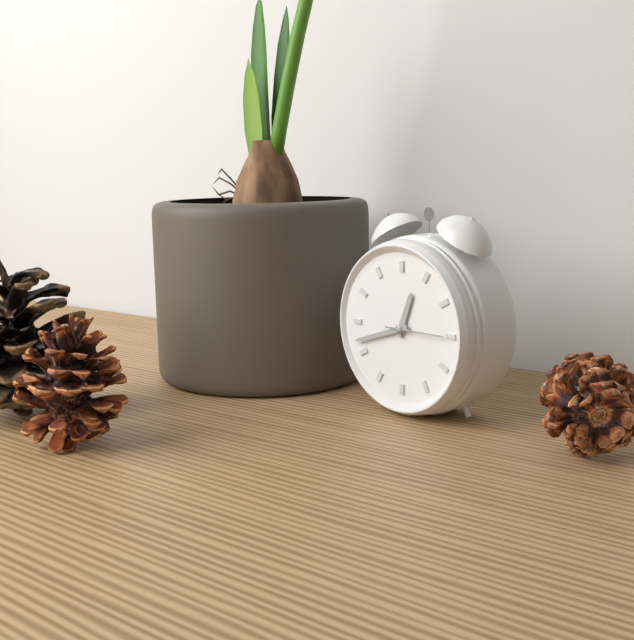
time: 12:42:15
